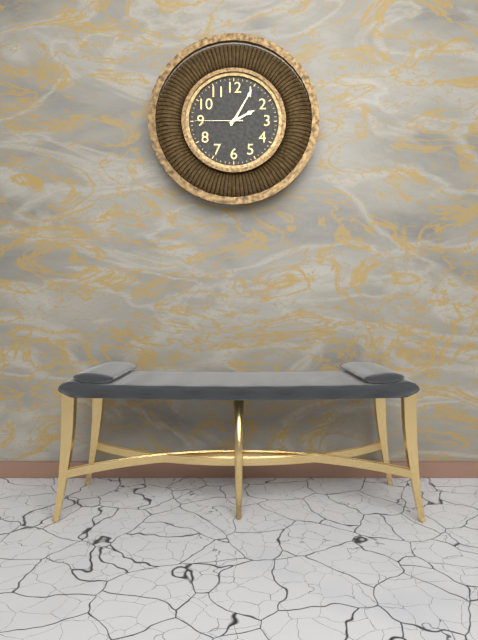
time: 2:05
